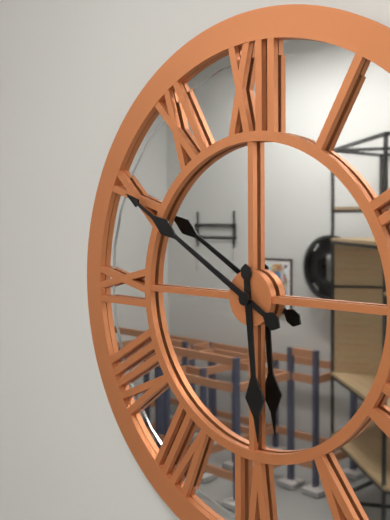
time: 5:50
